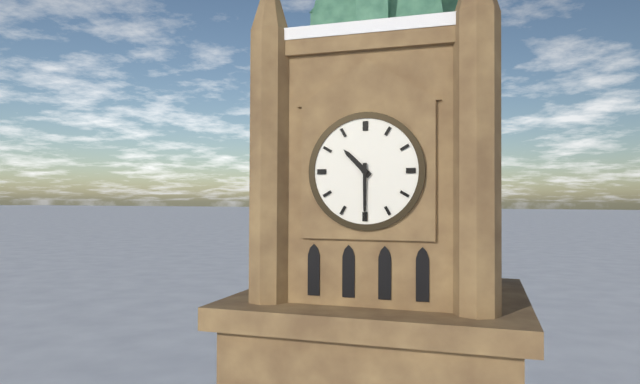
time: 10:30
